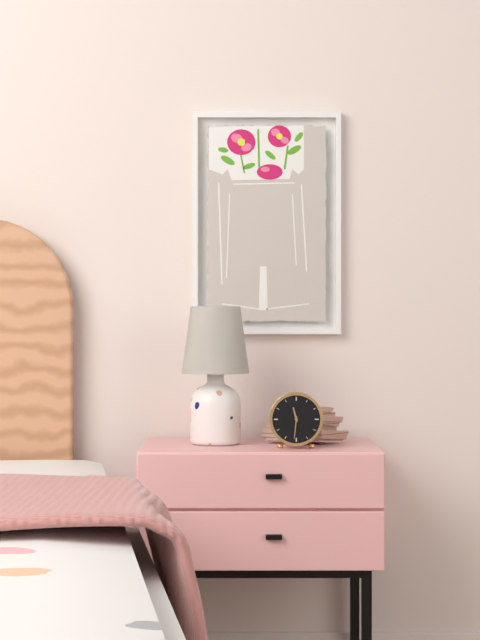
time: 11:31
